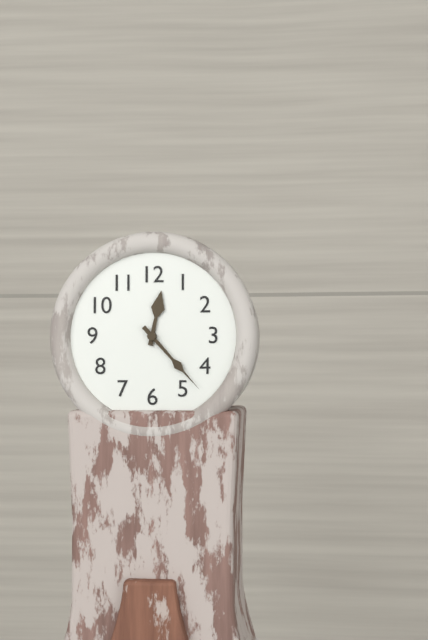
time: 12:23
